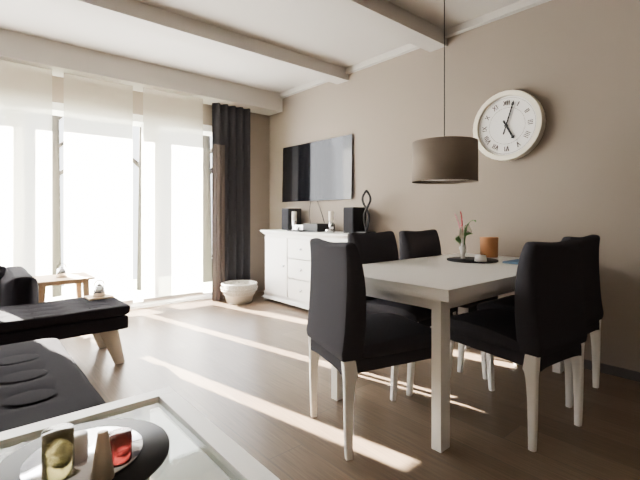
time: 5:03
